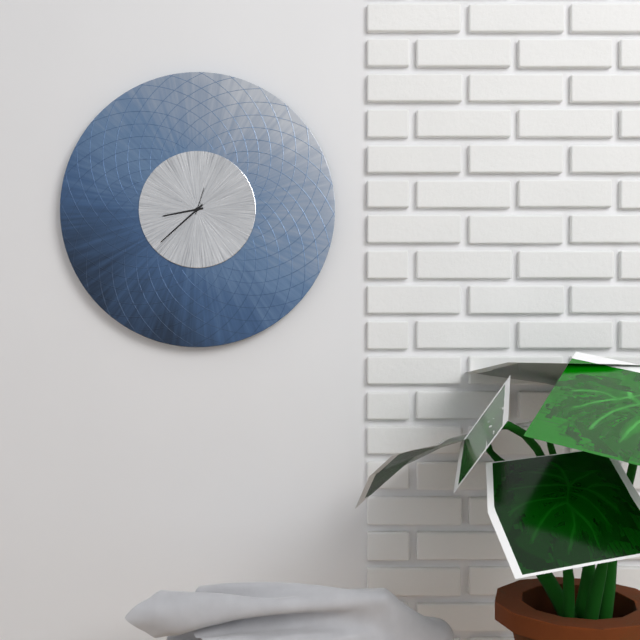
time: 8:38
